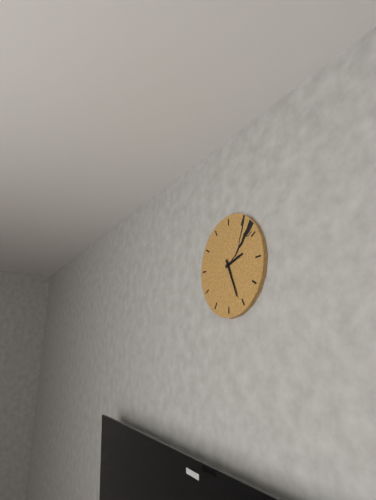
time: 2:26
